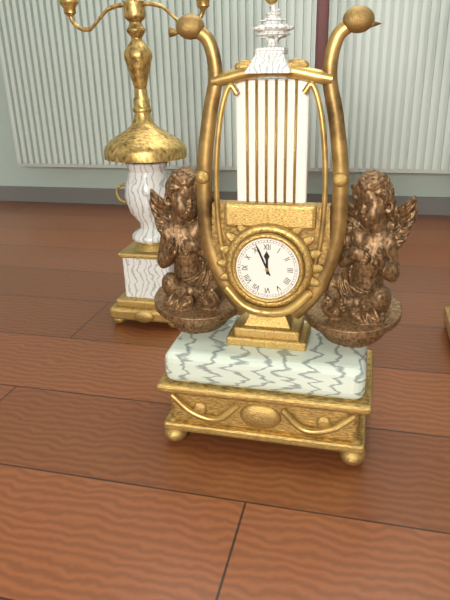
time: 11:56
